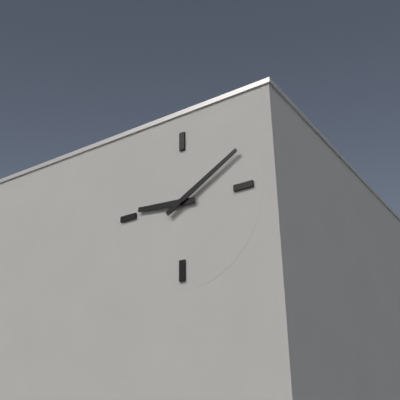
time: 9:10
